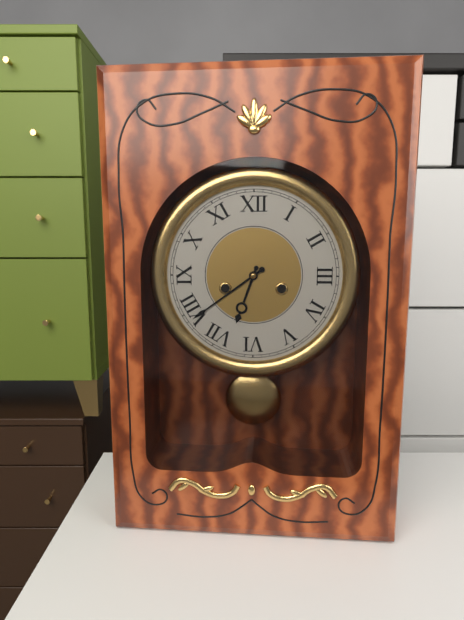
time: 6:39
